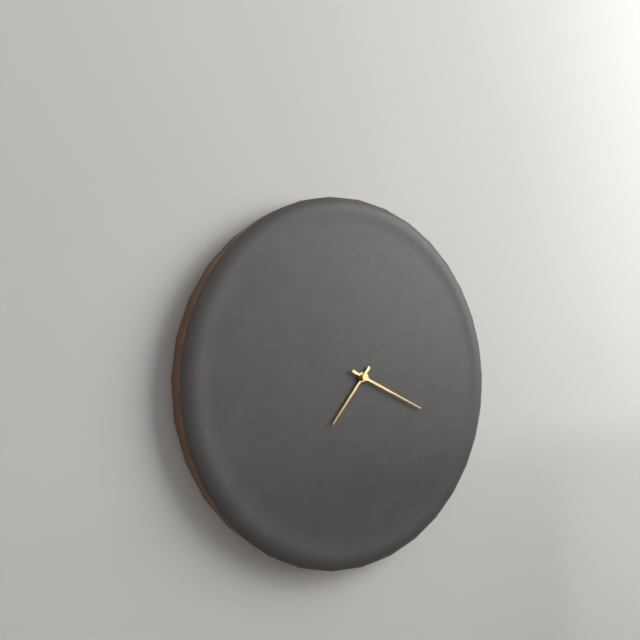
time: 7:19
